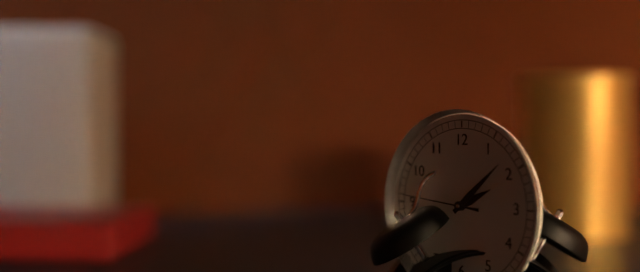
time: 2:08:46
